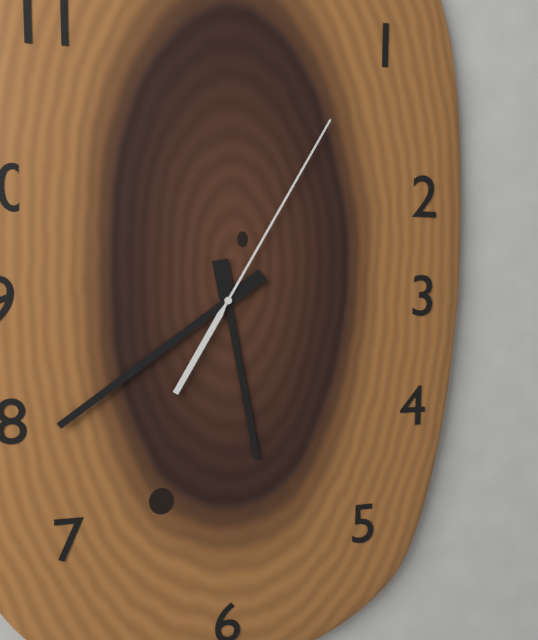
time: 5:39:05
